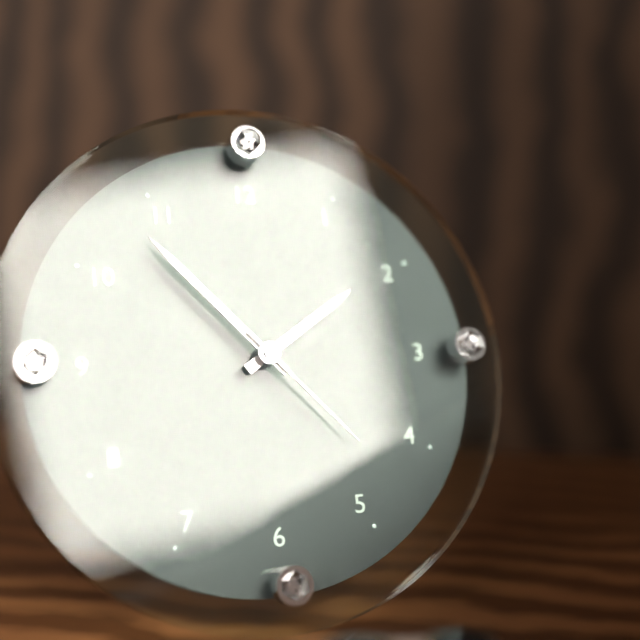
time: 1:53:23
